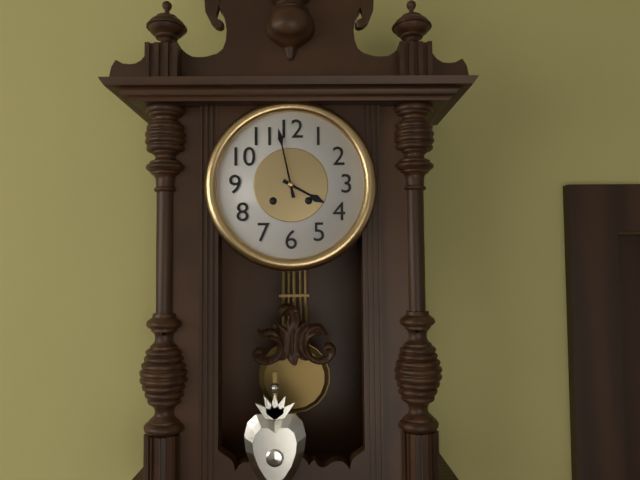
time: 3:58
